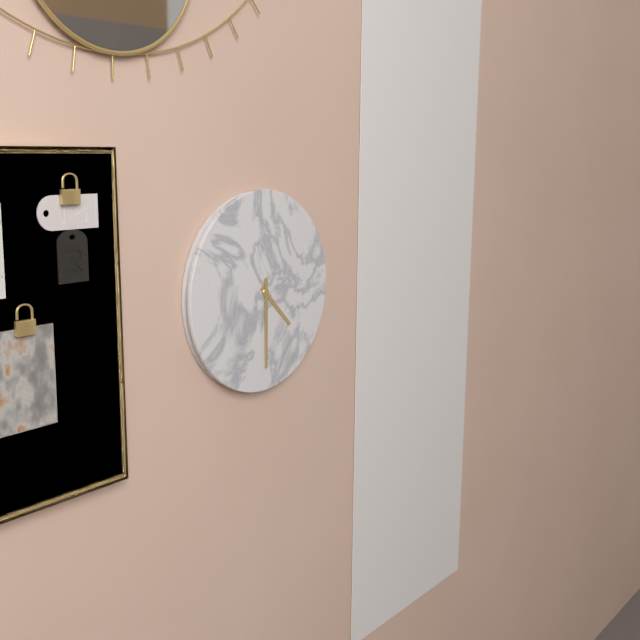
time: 4:30
